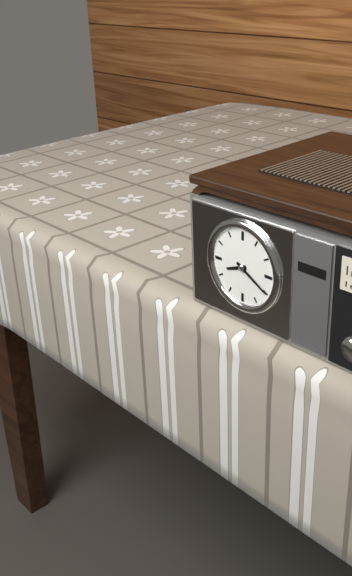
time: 8:20
